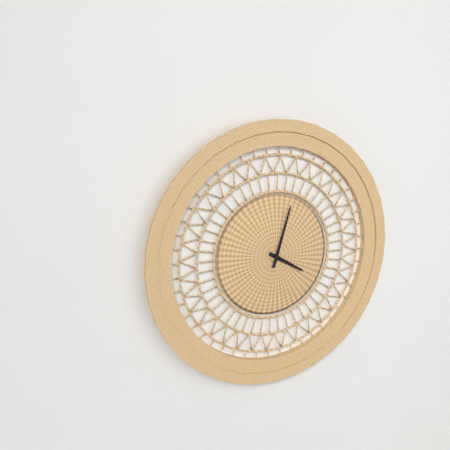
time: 4:03
